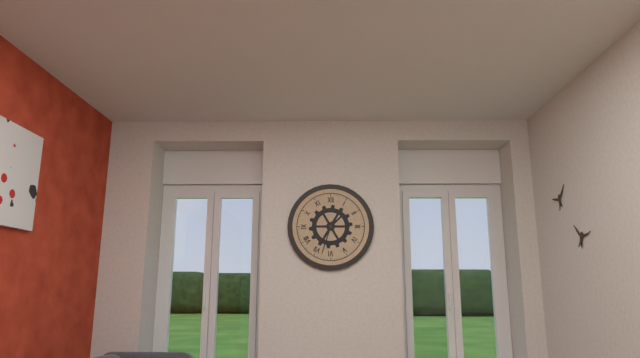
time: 1:33
